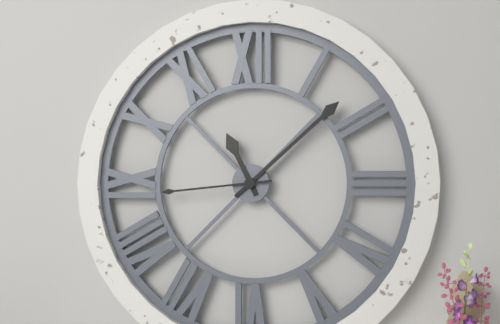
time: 11:08:44
